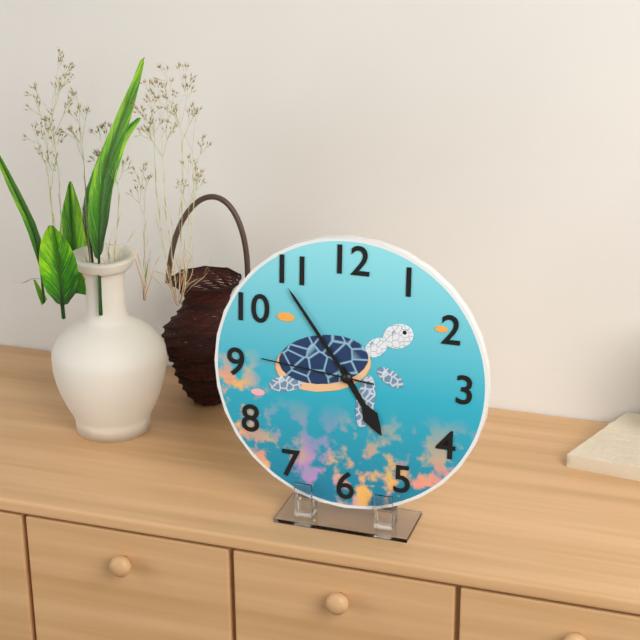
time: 4:54:46
